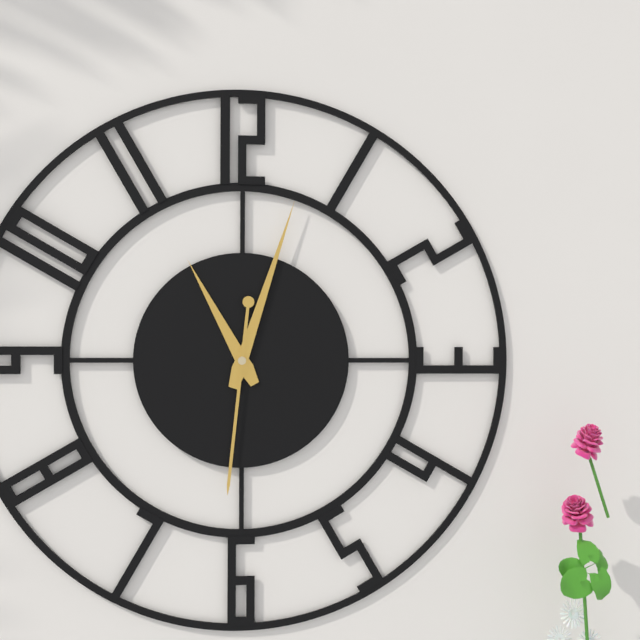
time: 11:03:31
